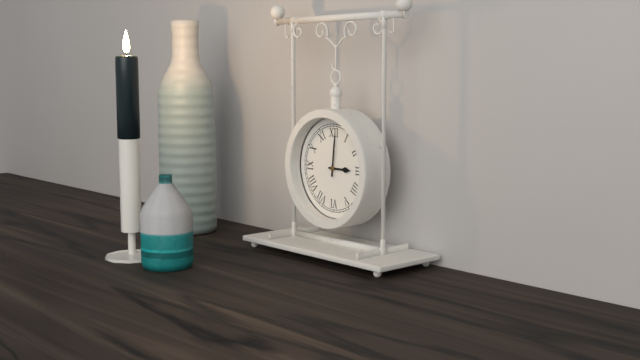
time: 3:01
